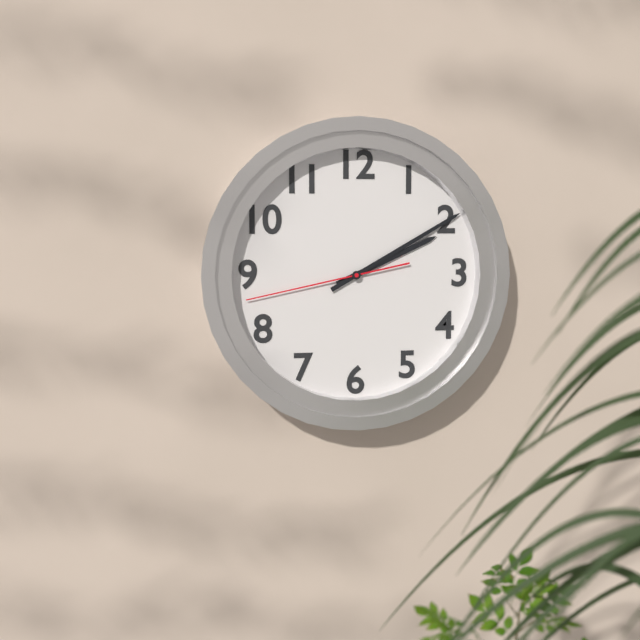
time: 2:10:43
